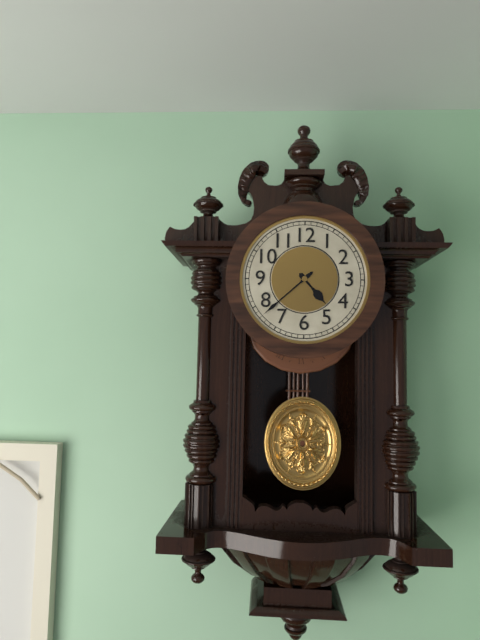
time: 4:38
